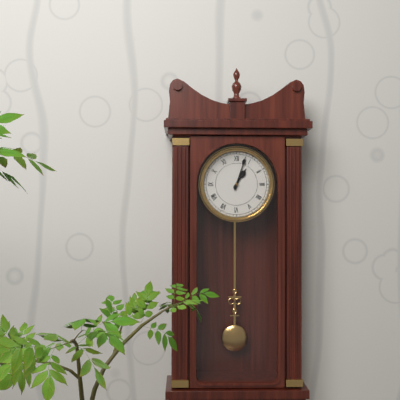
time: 1:03
